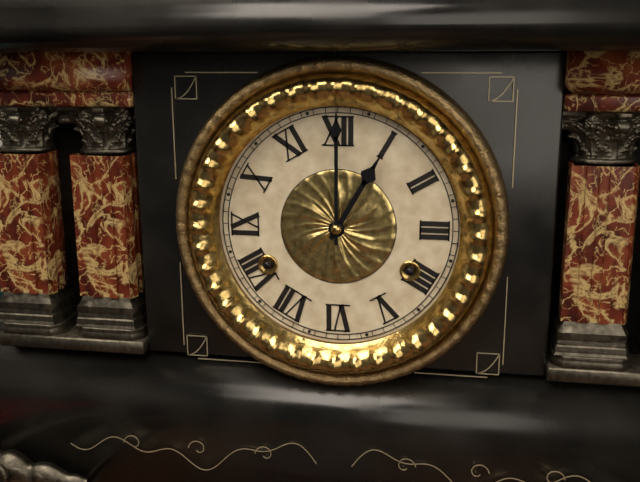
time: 1:00
